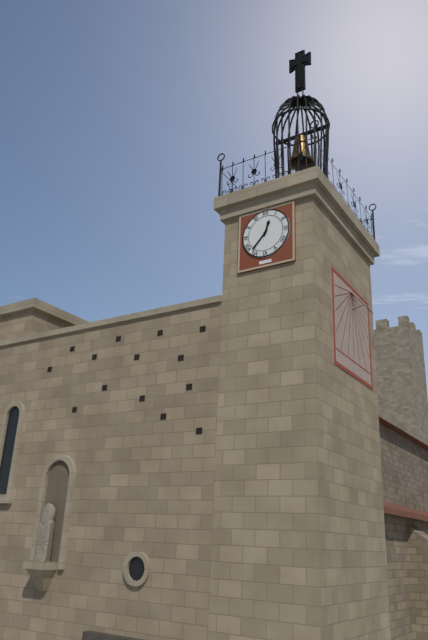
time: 12:37
